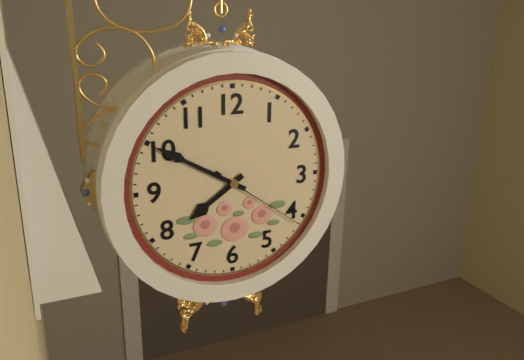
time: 7:50:21
